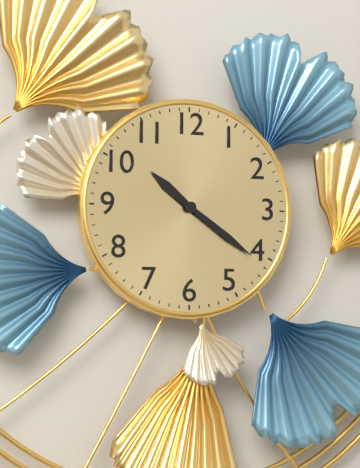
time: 10:21
